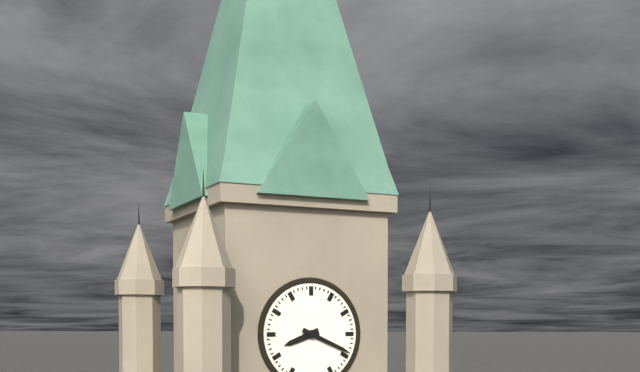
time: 8:19
